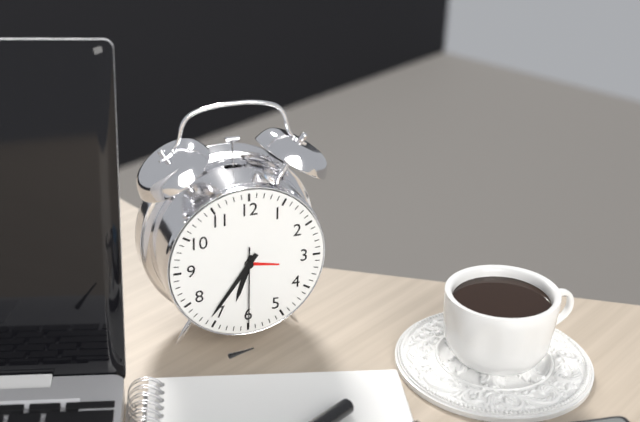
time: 6:36:30
